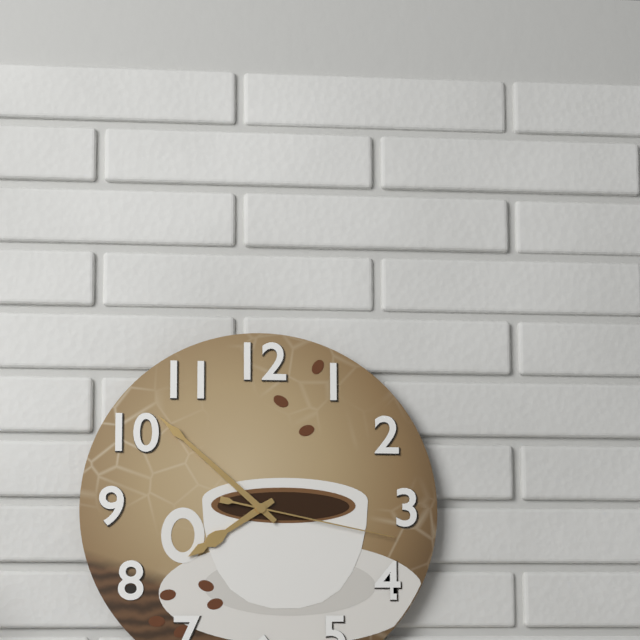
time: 7:52:17
